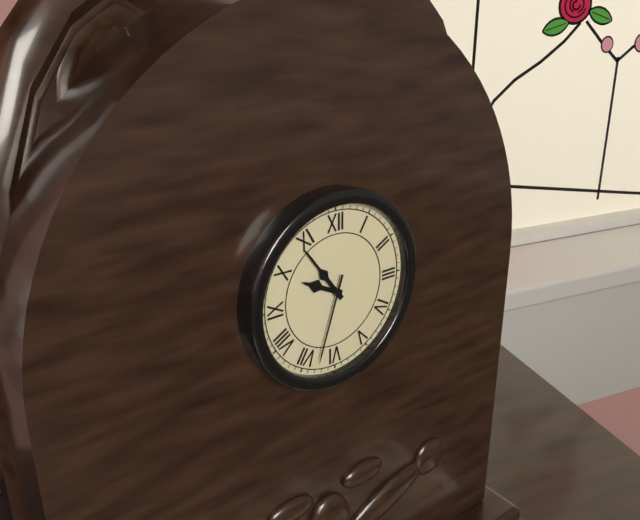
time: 9:54:33
